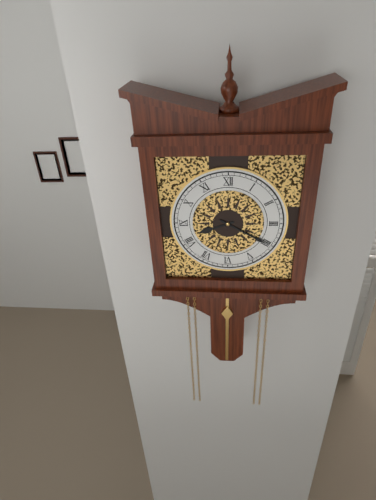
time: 8:20
